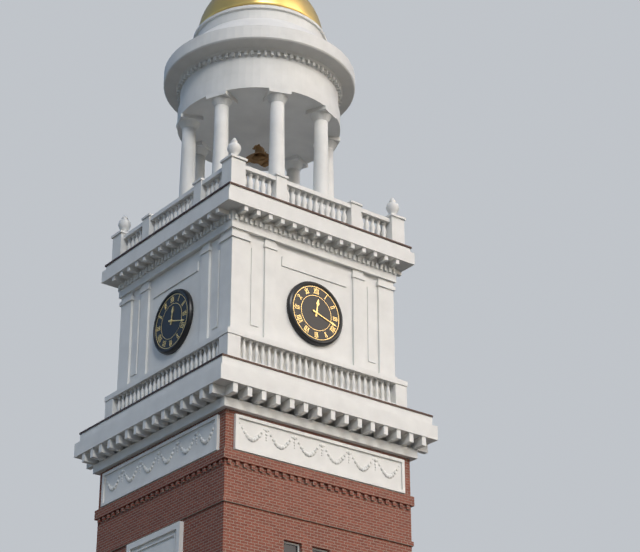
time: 12:18
